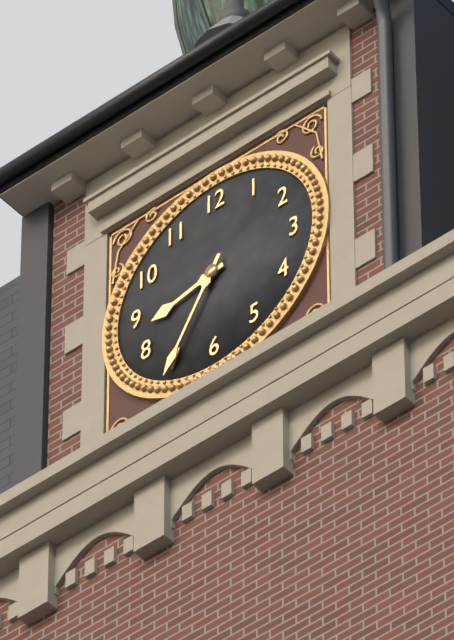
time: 8:35
